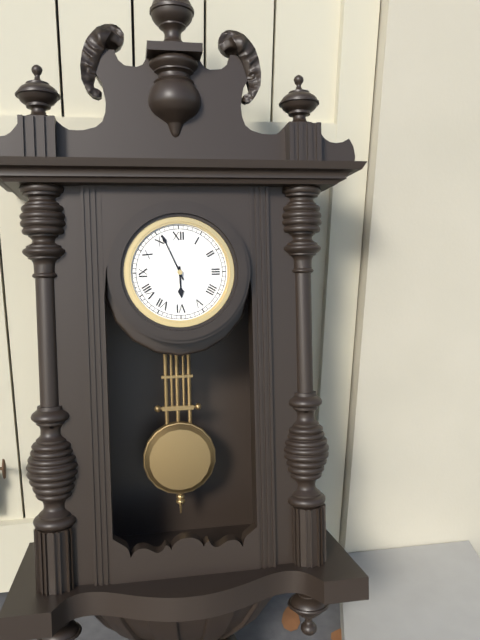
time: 5:56
